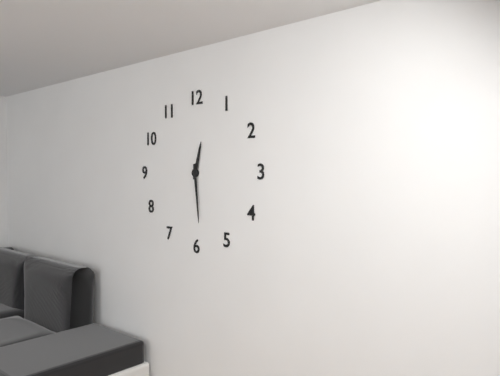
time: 12:29
